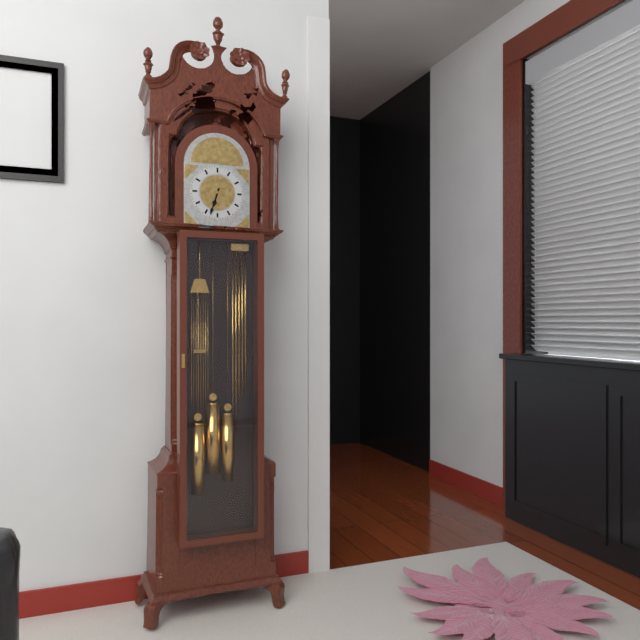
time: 6:33
